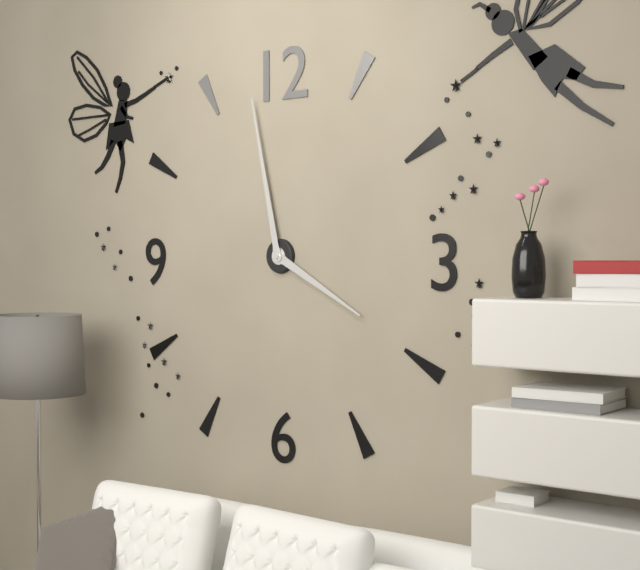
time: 3:58
